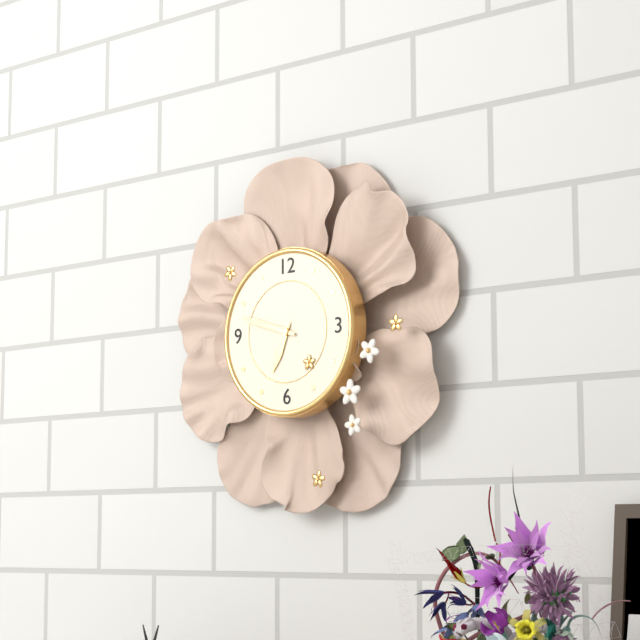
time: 6:48
